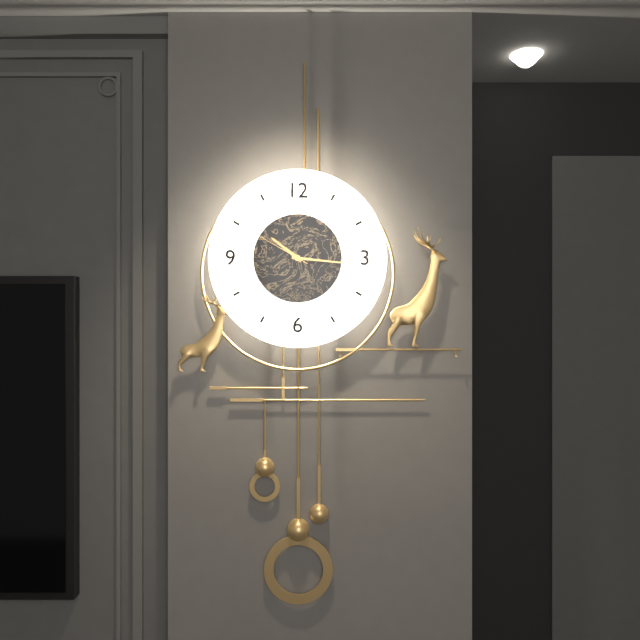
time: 10:16:50
